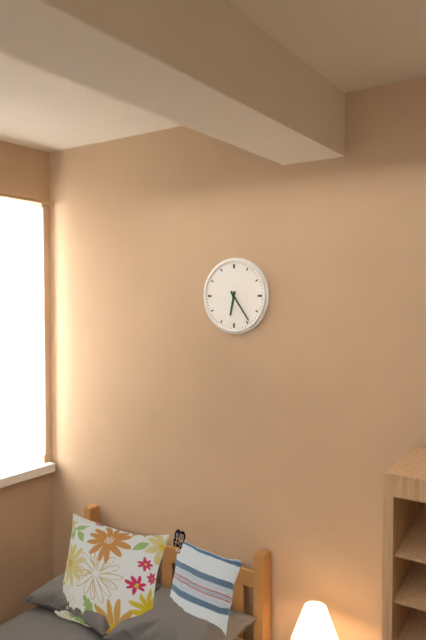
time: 6:24
